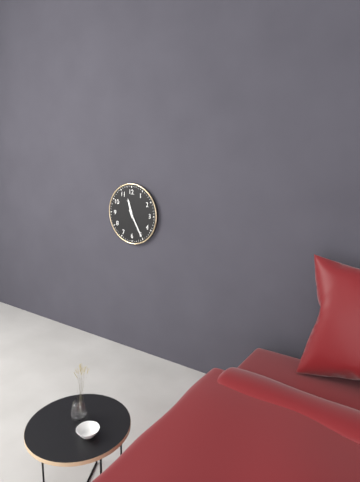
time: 11:25
